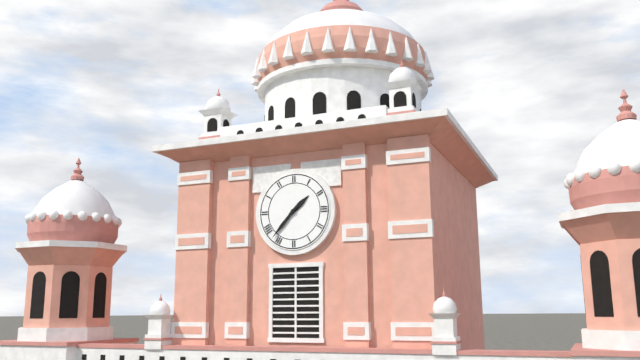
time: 1:37
